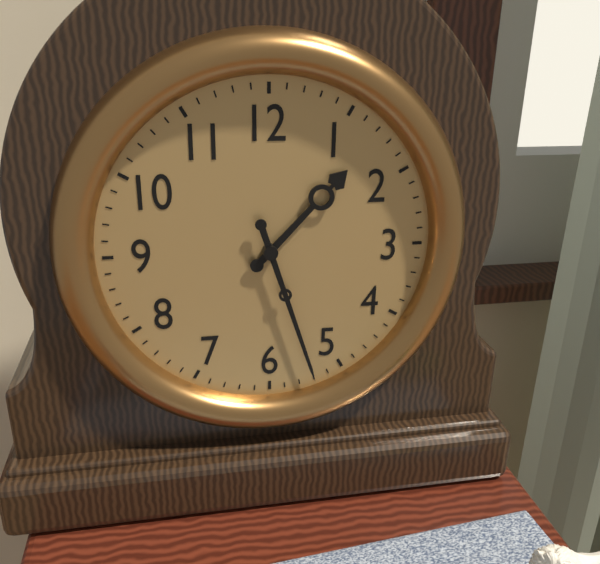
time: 1:27
